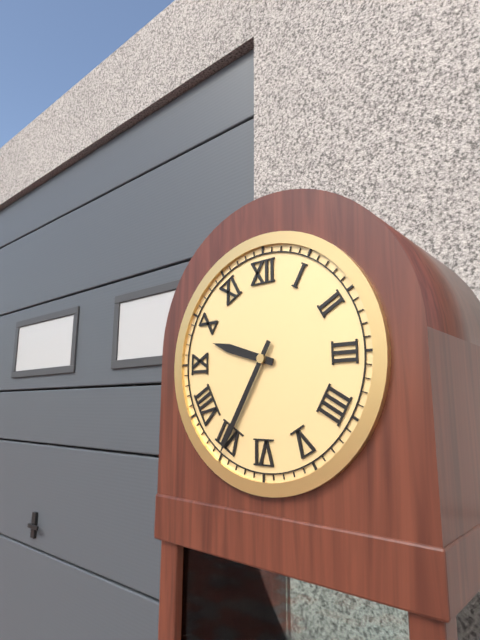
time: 9:35
